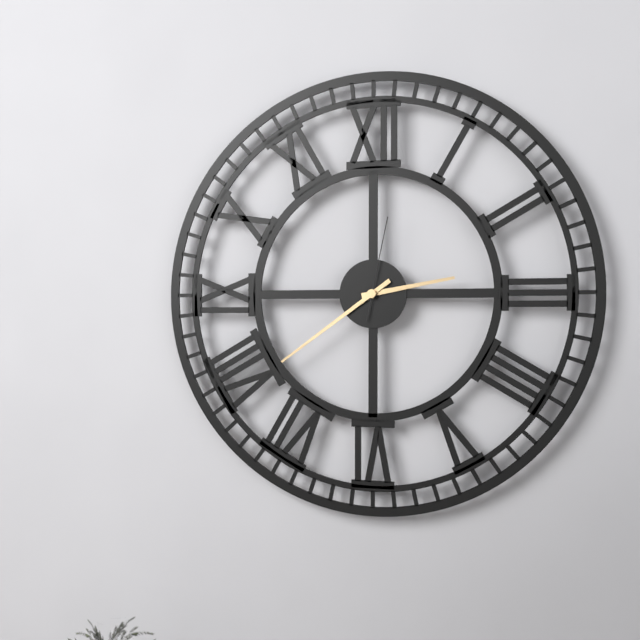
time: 2:39:02
